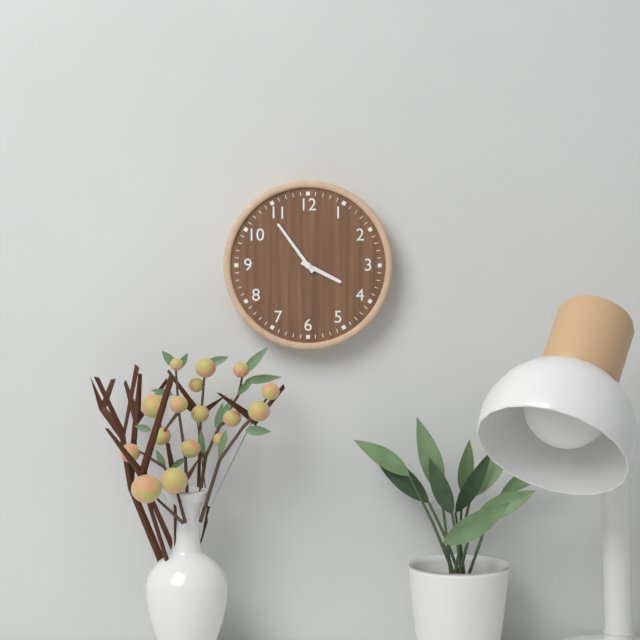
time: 3:54
